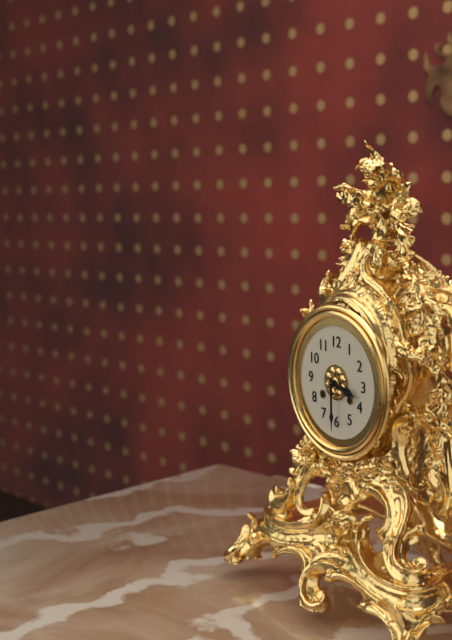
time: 3:30
